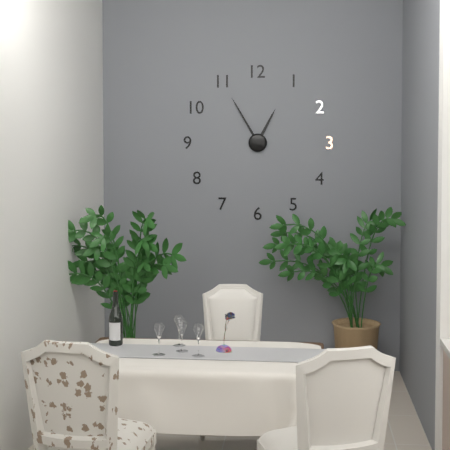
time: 12:55
